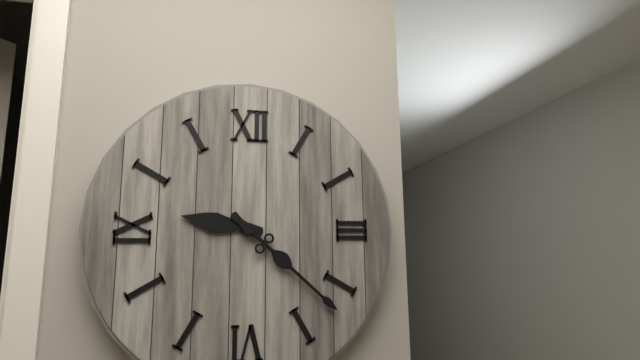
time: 9:22
